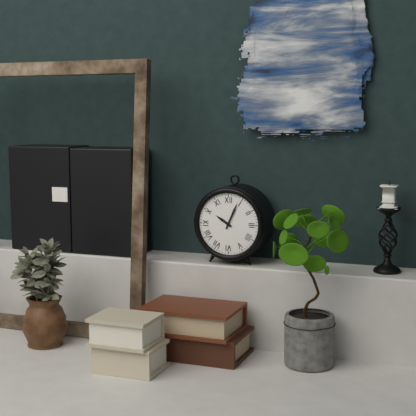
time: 10:04
